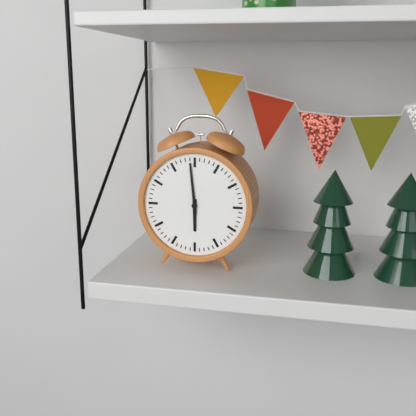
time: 5:59
